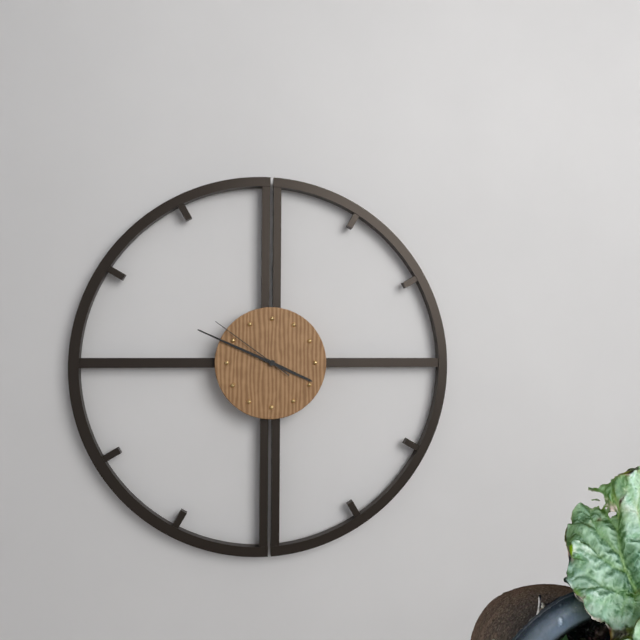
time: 3:49:51
